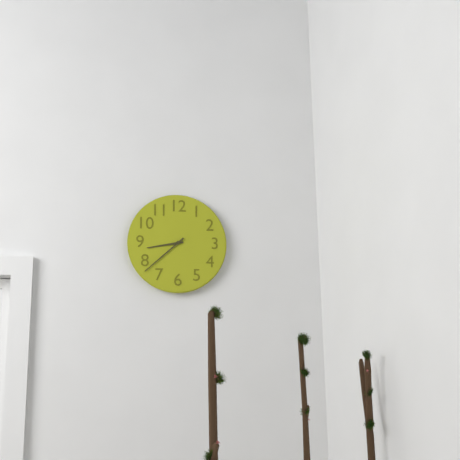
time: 8:38
